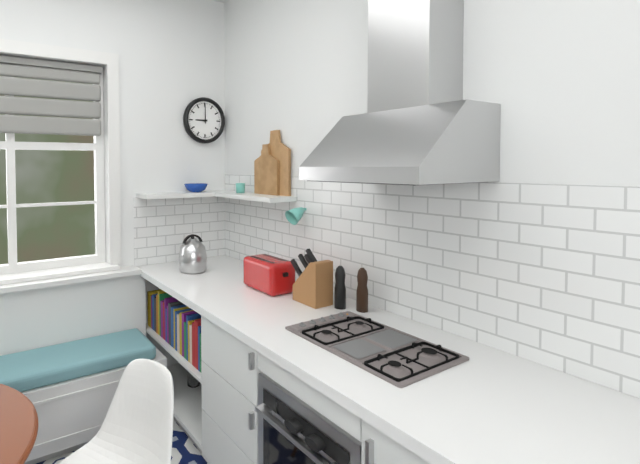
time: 9:00
